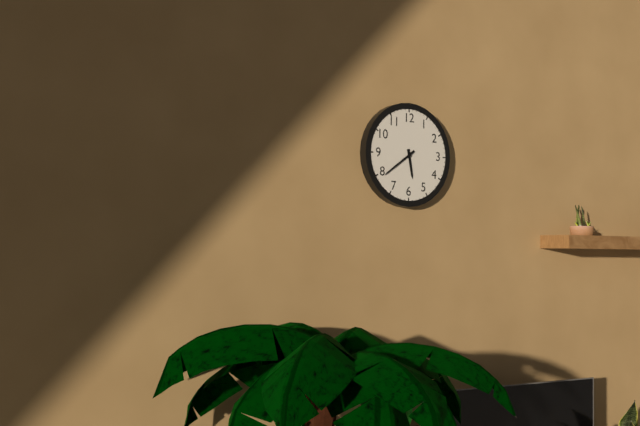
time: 5:39
